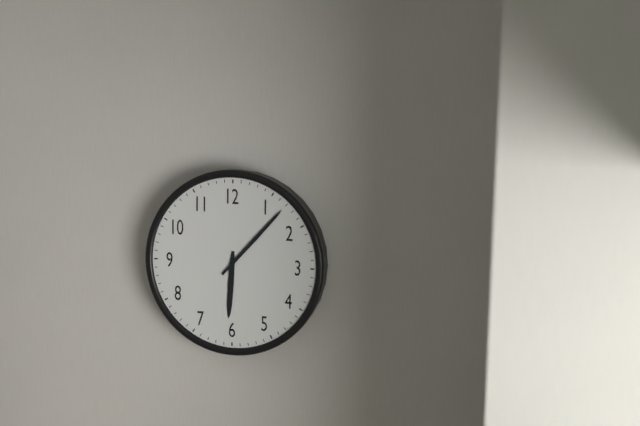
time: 6:07
